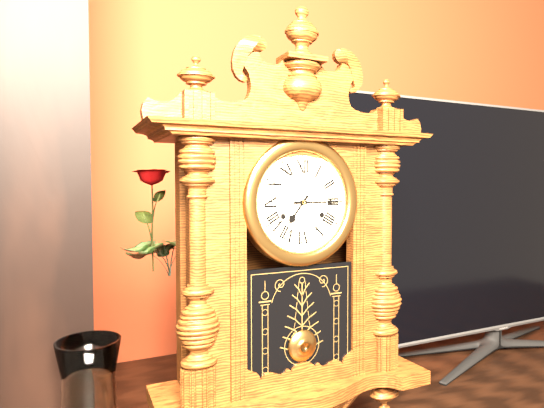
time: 7:15
